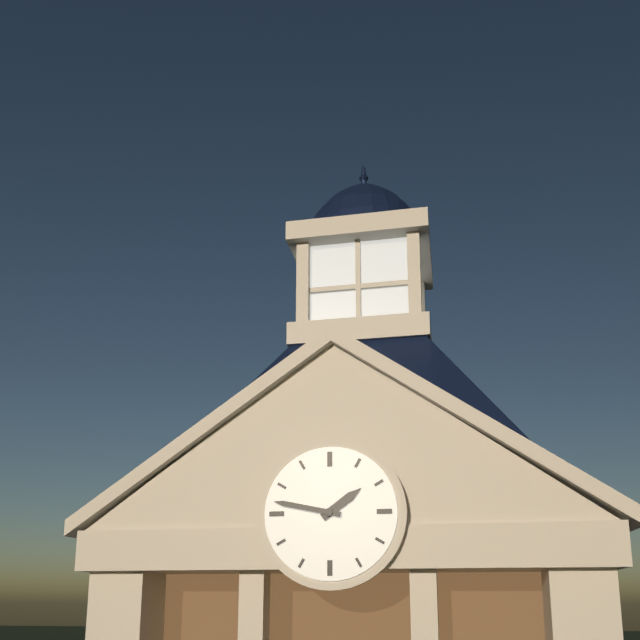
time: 1:47
